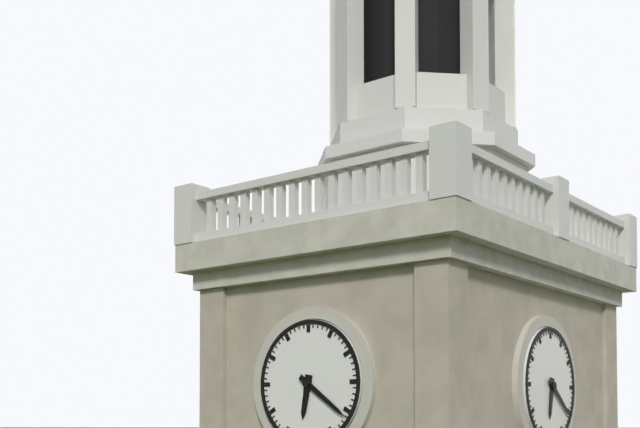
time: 6:21
